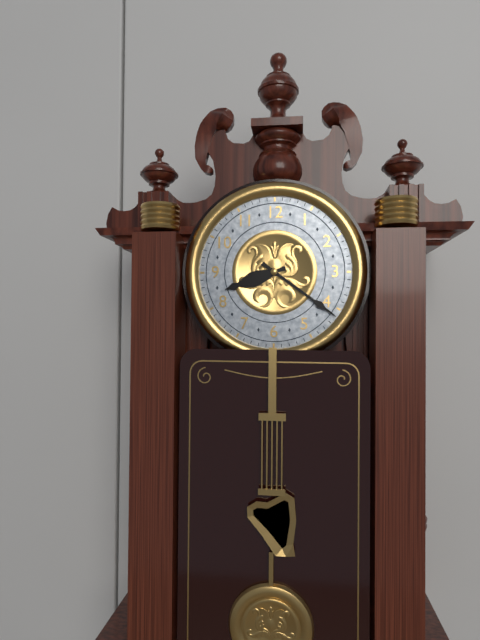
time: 8:21
